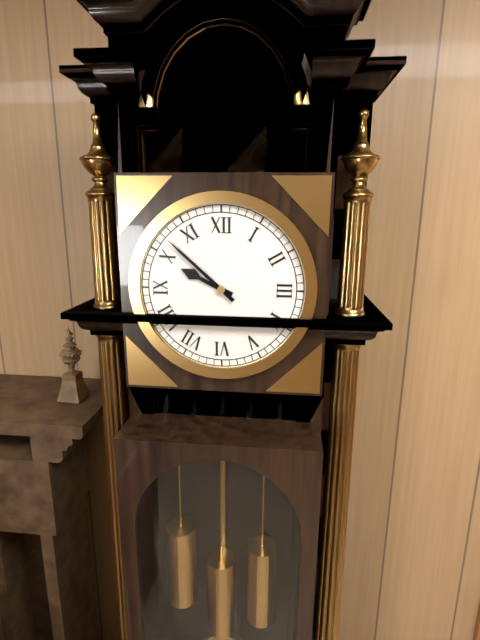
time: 9:52
